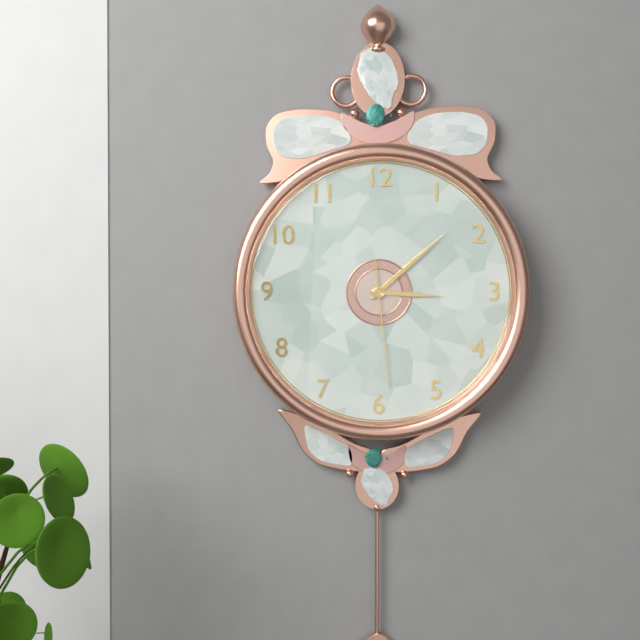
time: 3:08:29
